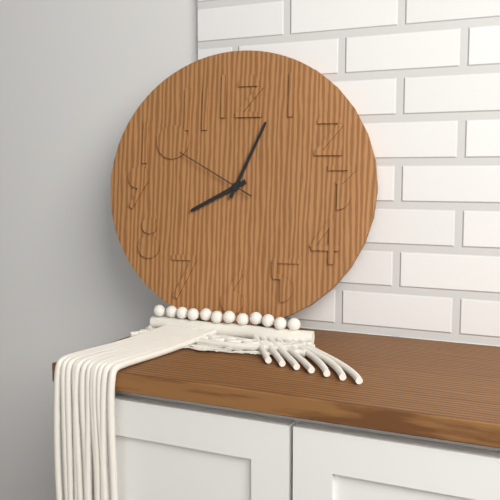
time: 8:04:50
